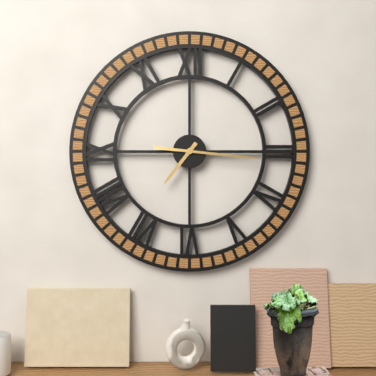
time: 7:16
